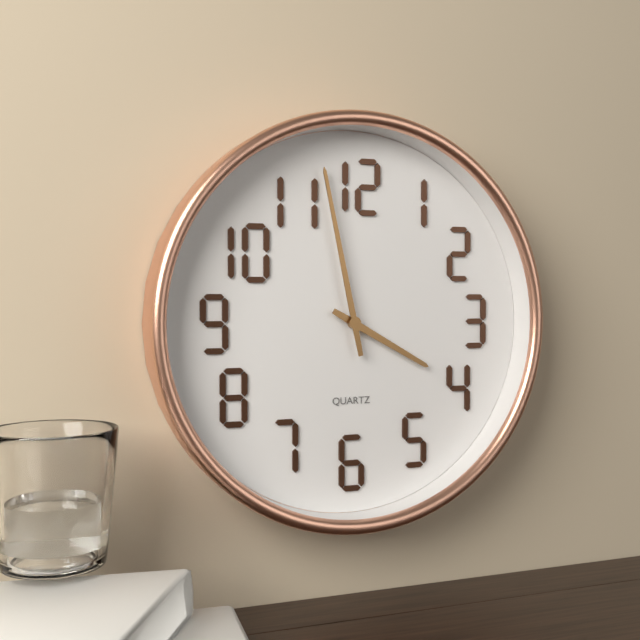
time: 3:58
